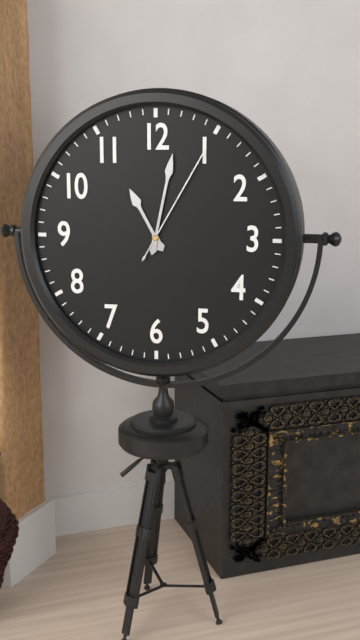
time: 11:02:05
